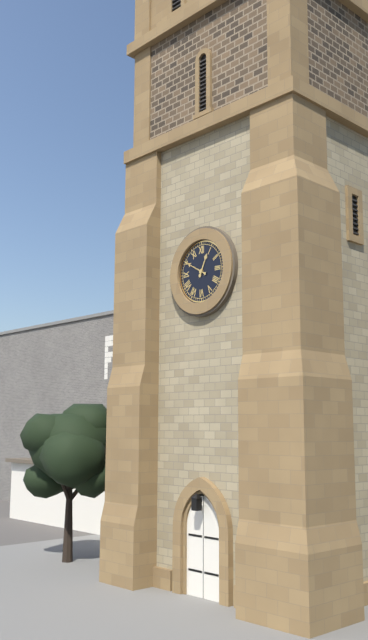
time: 12:50
